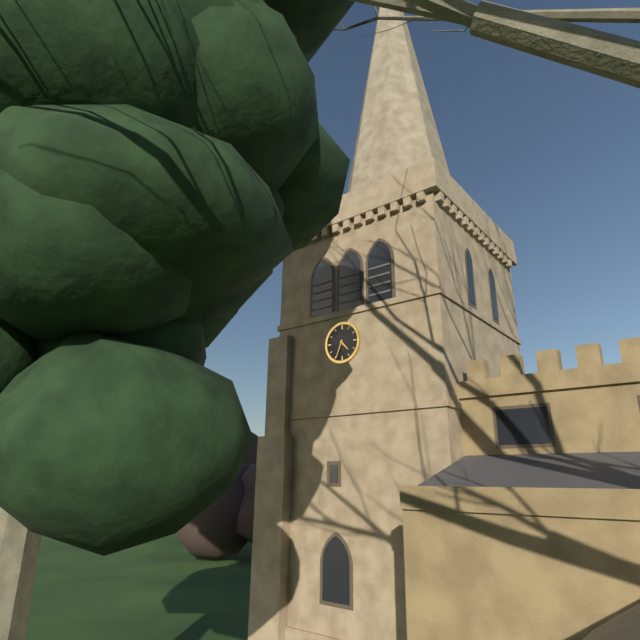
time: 4:34
